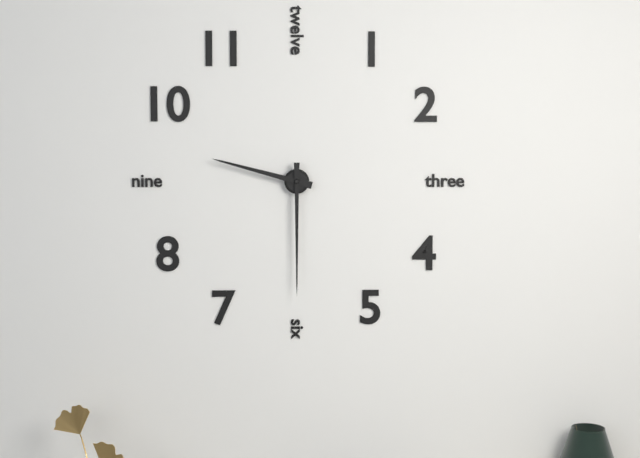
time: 9:30
